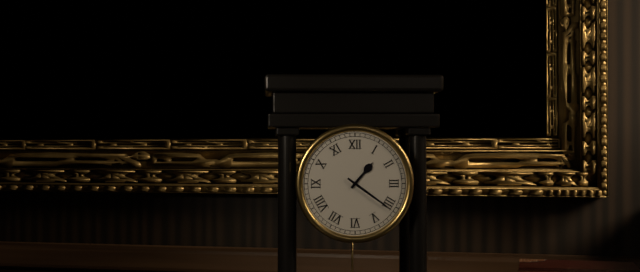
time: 1:21
